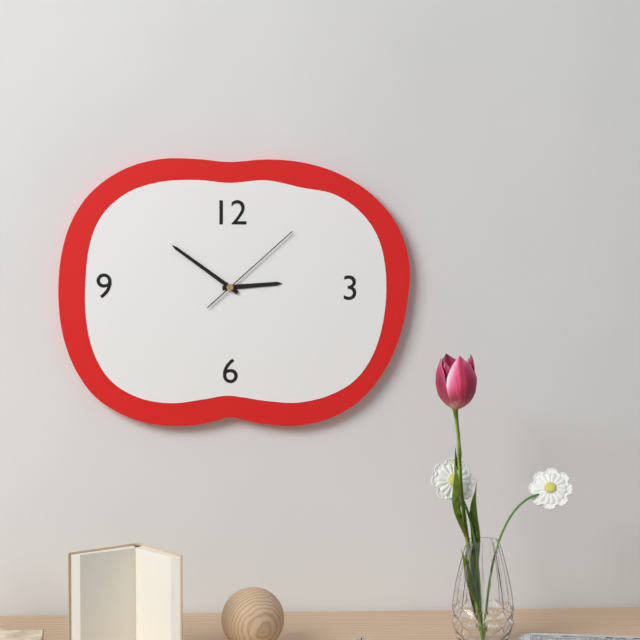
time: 2:51:08
